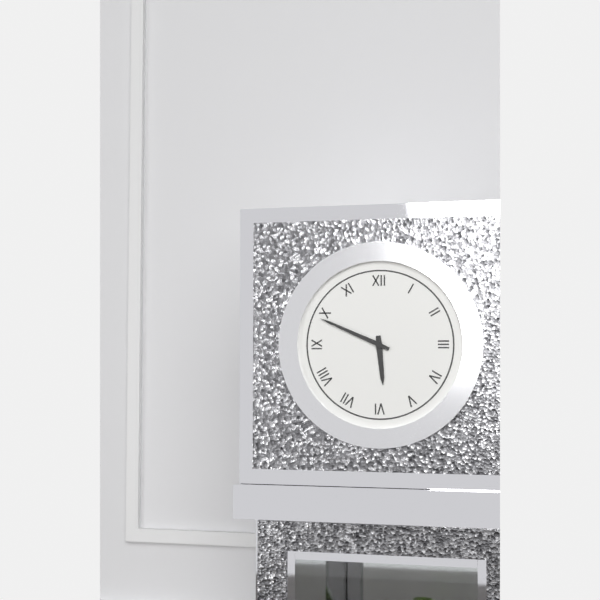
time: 5:49
